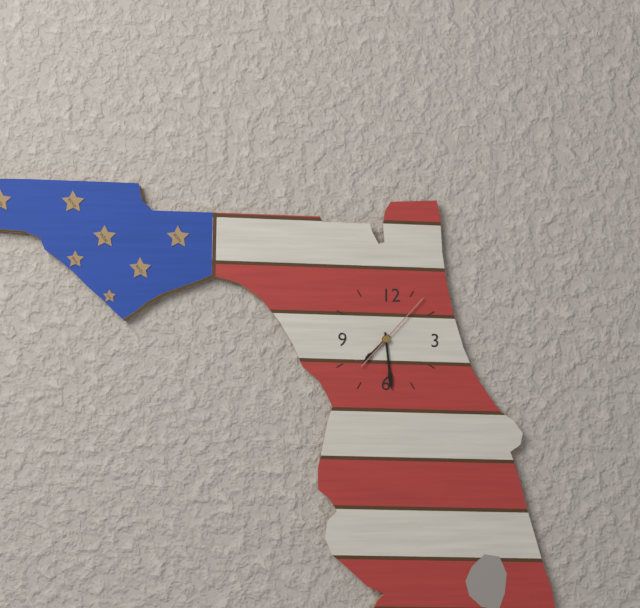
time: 7:29:07
